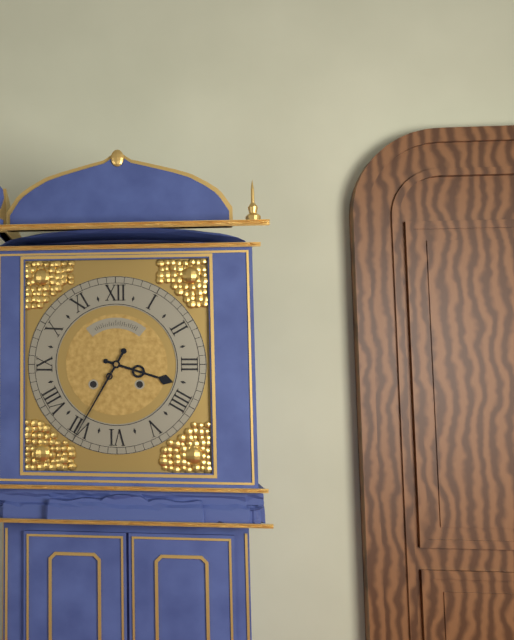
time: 3:35
